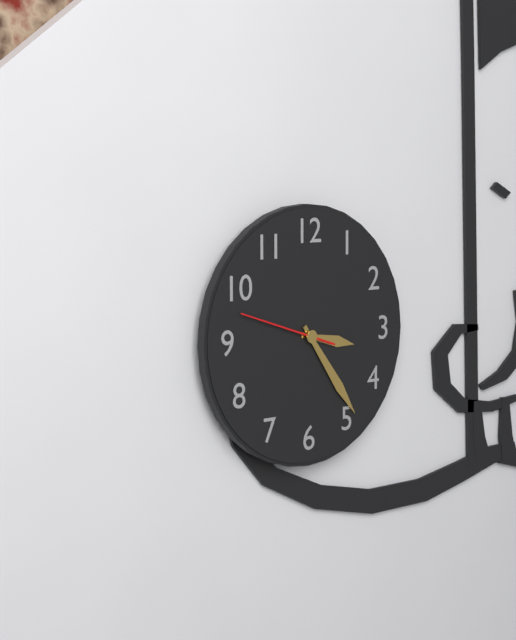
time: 3:24:48
